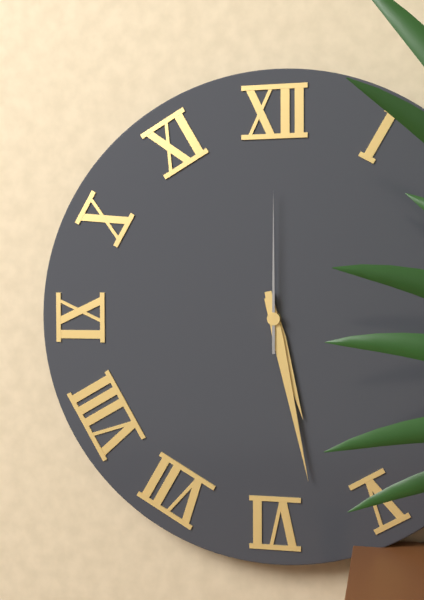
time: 5:28:00
